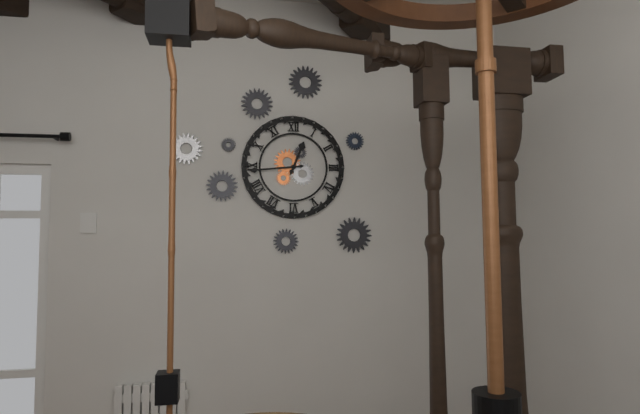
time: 12:44
